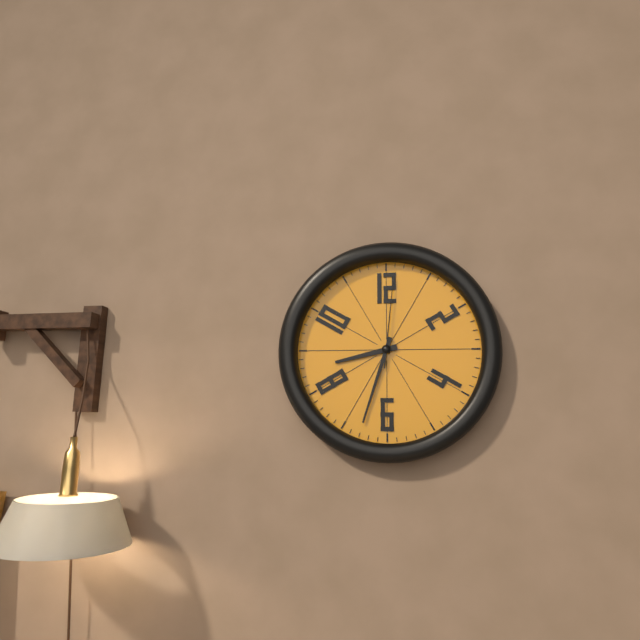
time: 8:33:01
